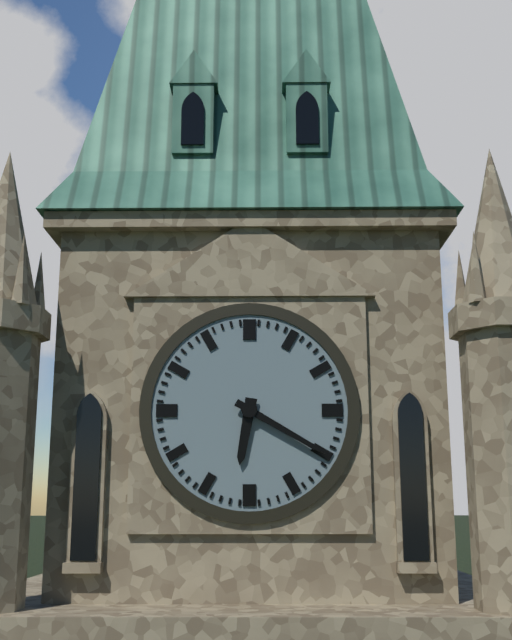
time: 6:20
